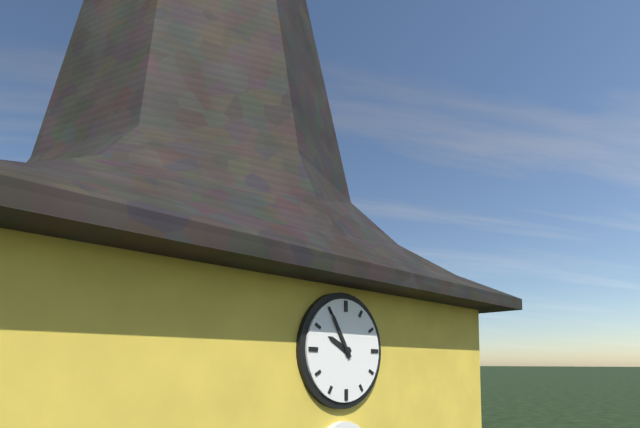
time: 9:55
